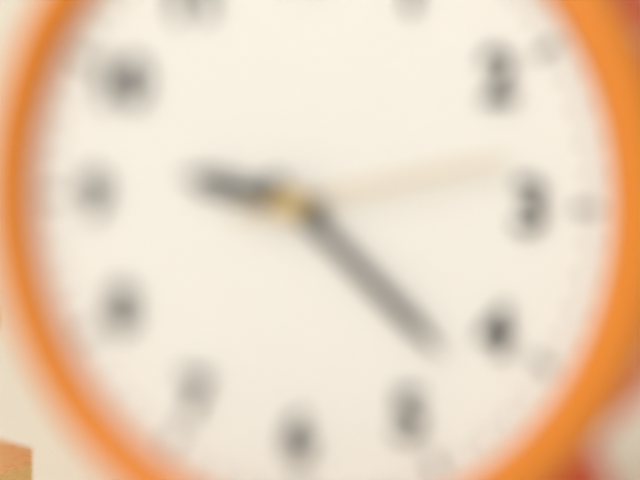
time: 9:22:13
